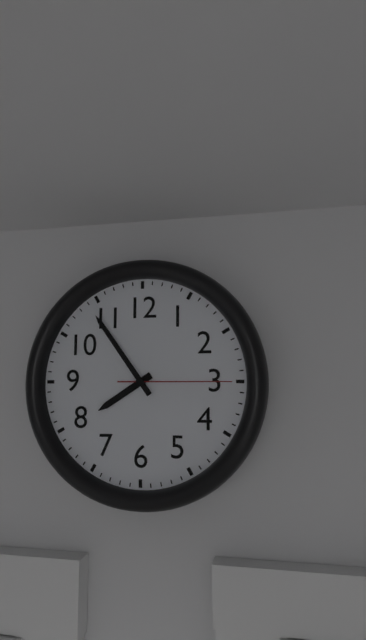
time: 7:54:15
